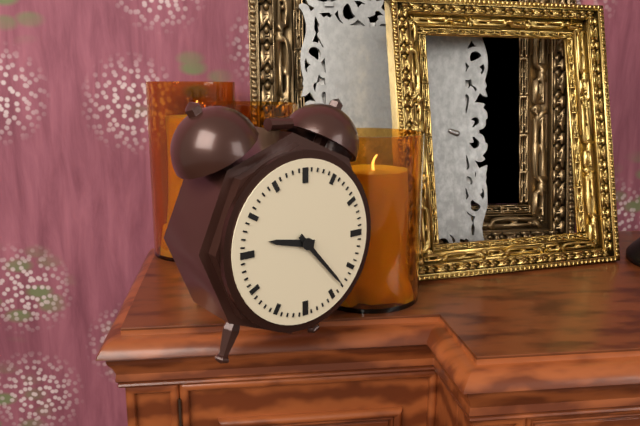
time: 9:23
